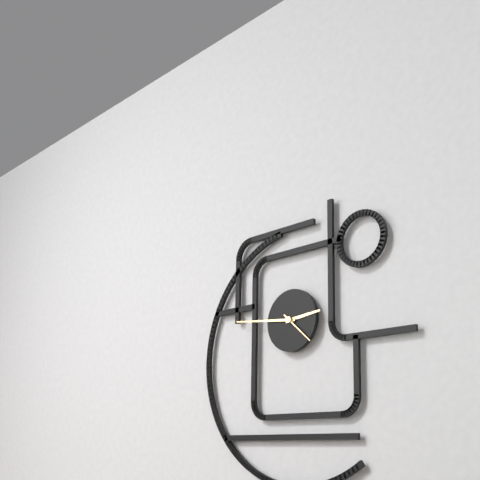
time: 2:46
